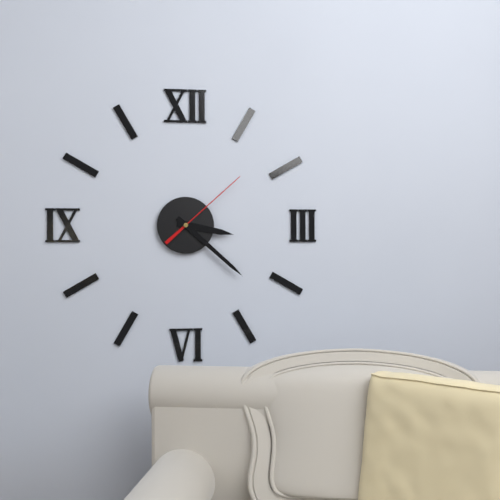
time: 3:22:08
